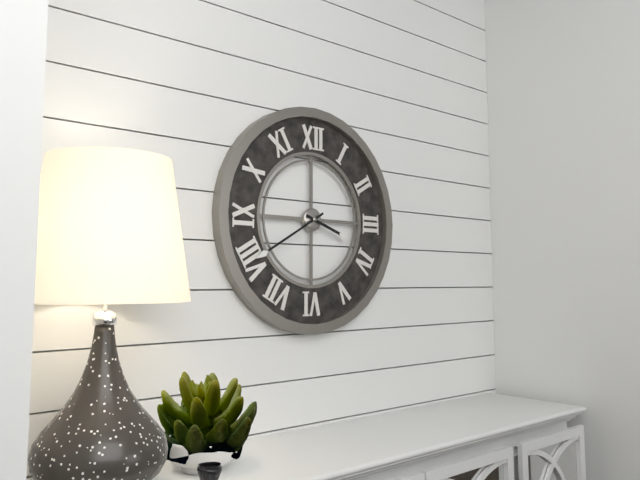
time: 3:40
